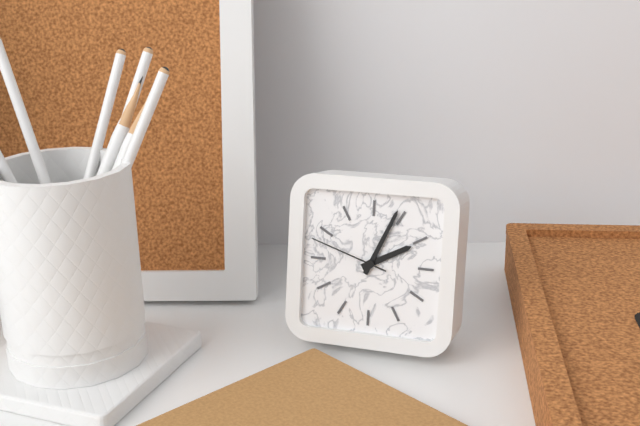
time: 2:04:48
